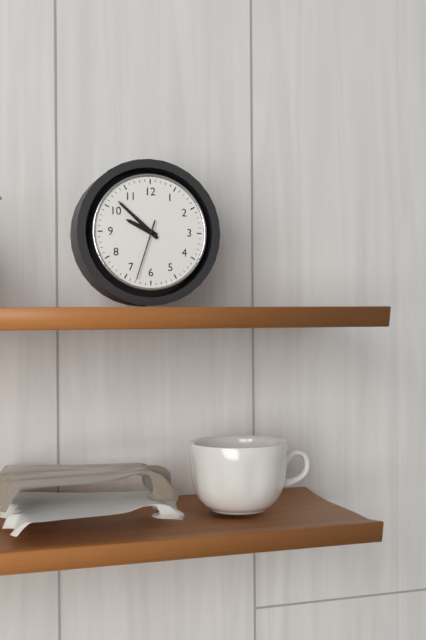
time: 9:52:33
